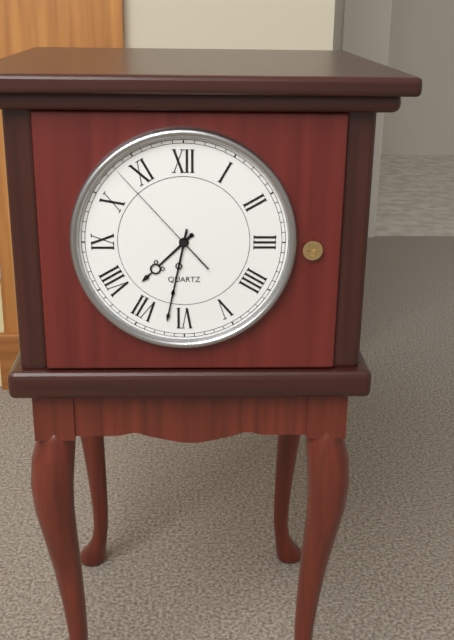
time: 7:32:53
